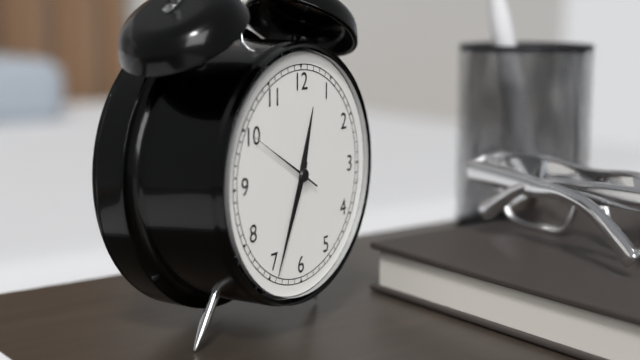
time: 12:34:50
